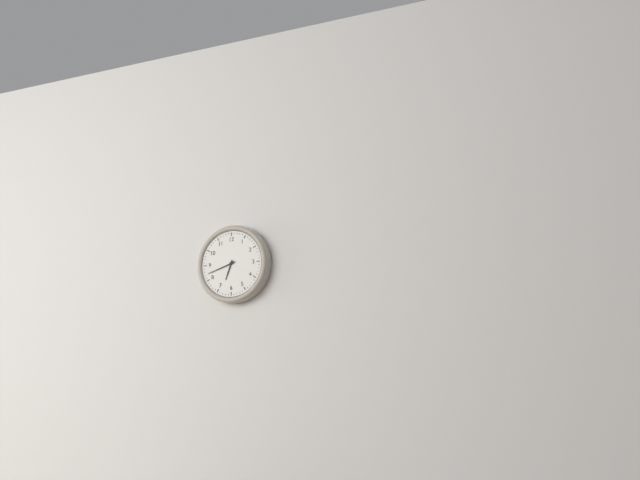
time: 6:42
